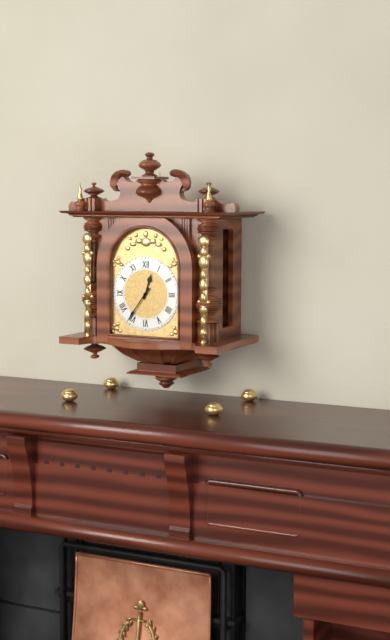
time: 12:36
